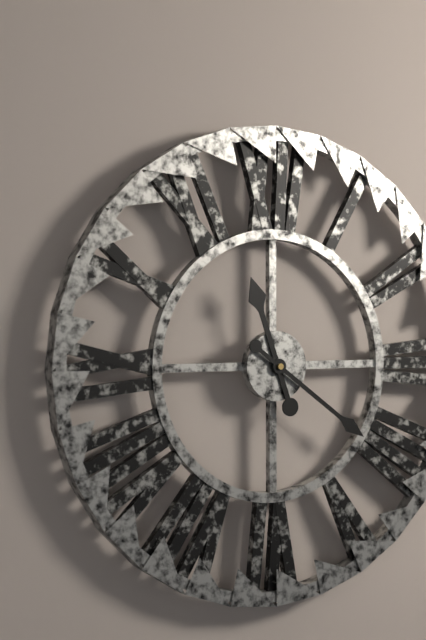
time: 11:21
